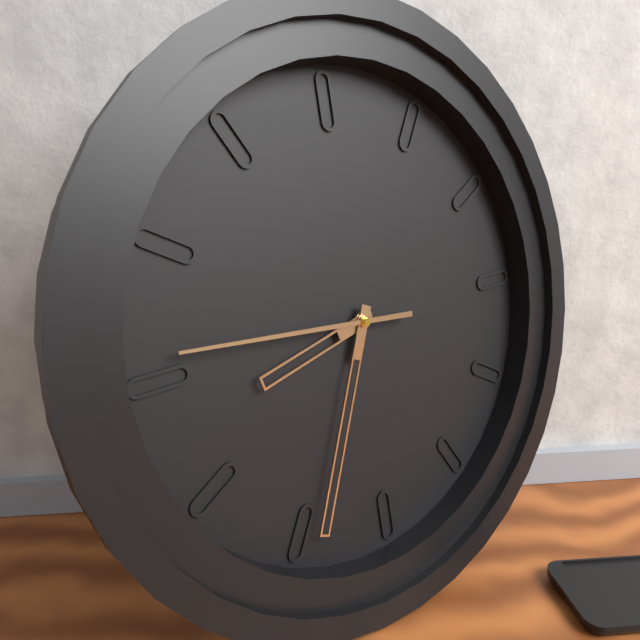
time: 8:34:46
